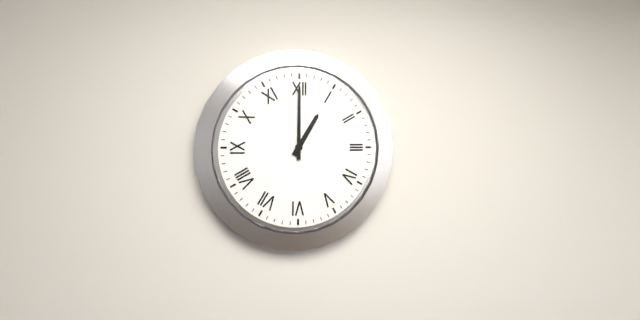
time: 1:00
